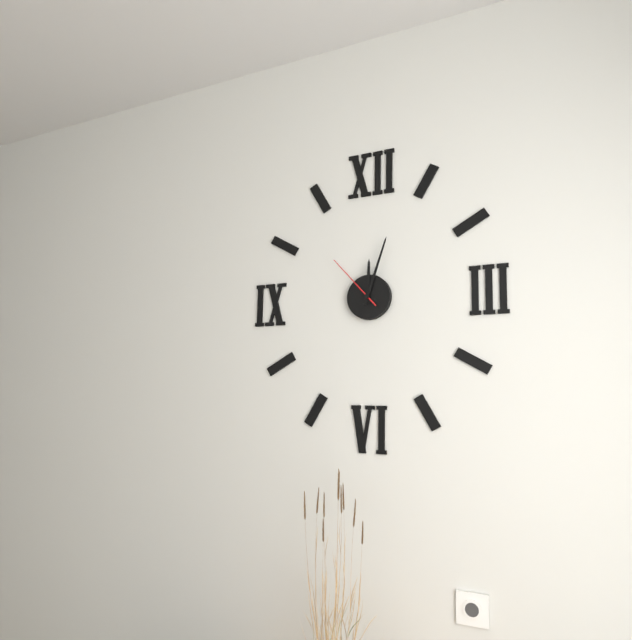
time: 12:03:53
